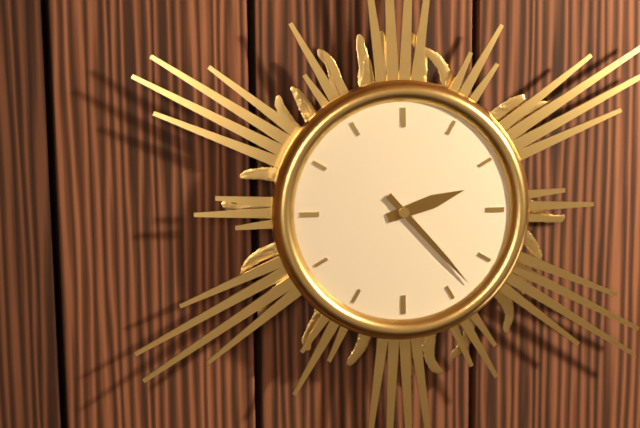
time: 2:23
